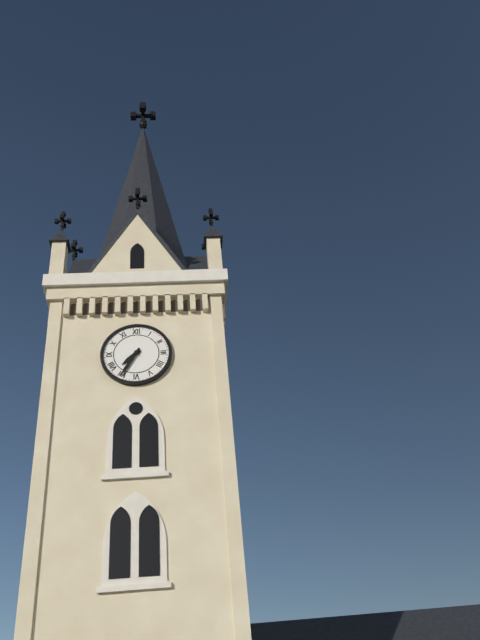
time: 7:35
